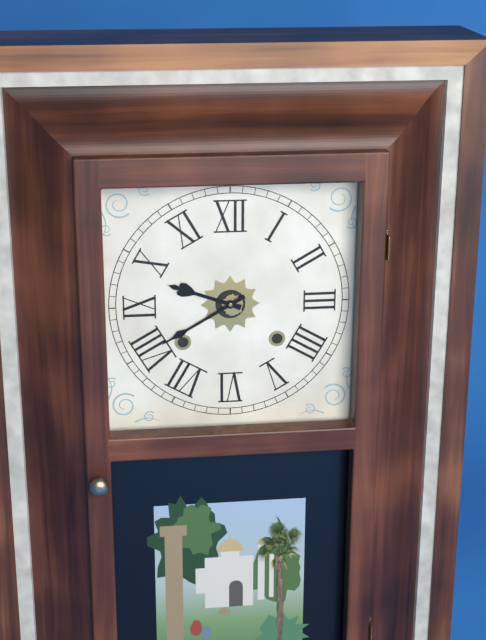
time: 9:40
